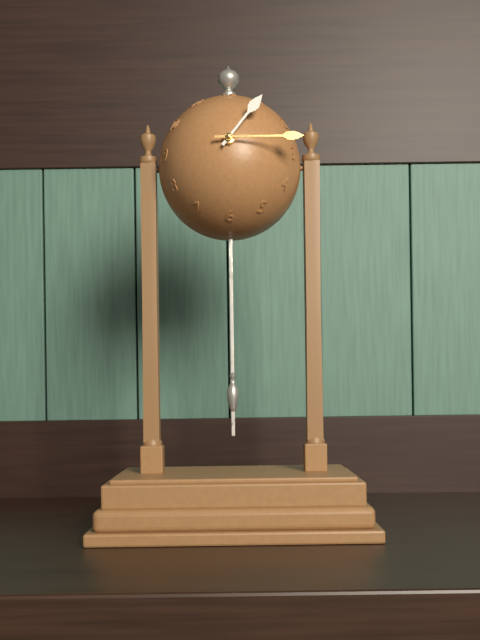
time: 1:15
